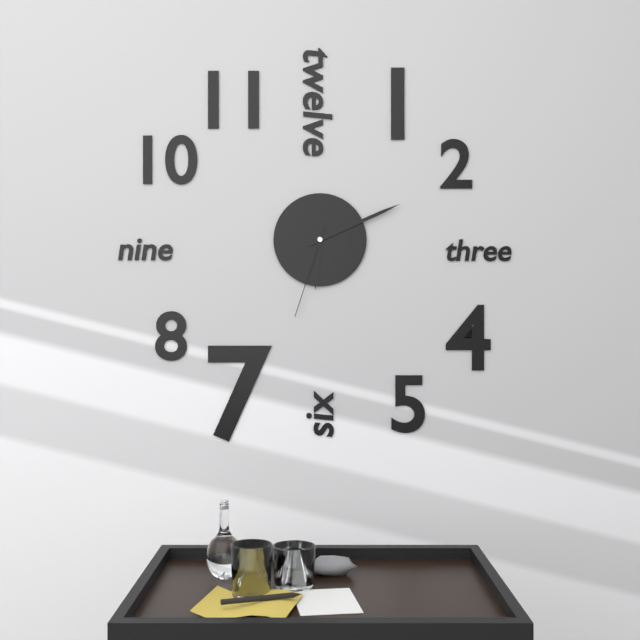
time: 6:11:33
